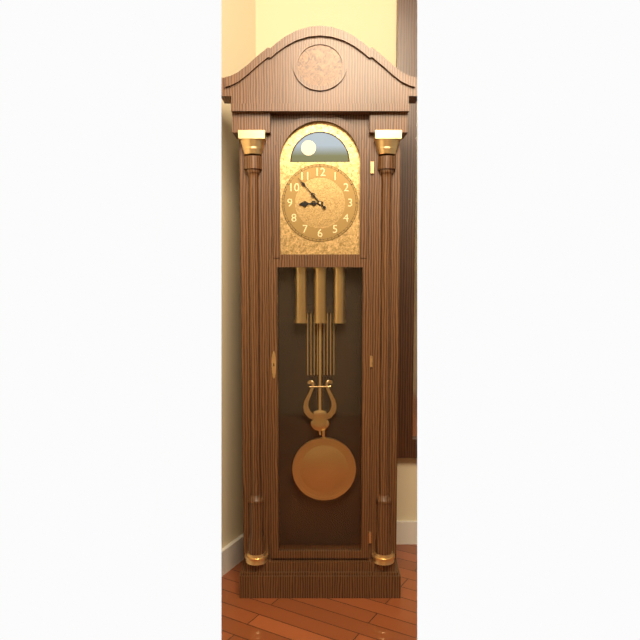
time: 8:53
